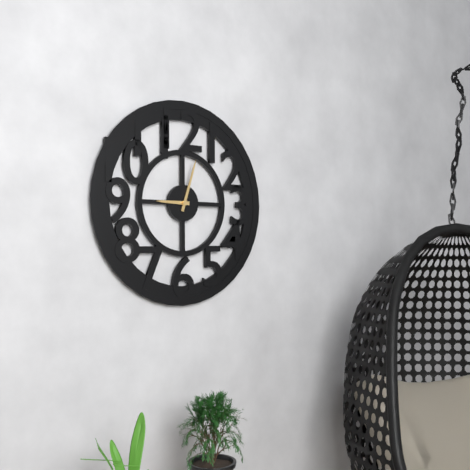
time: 9:03
